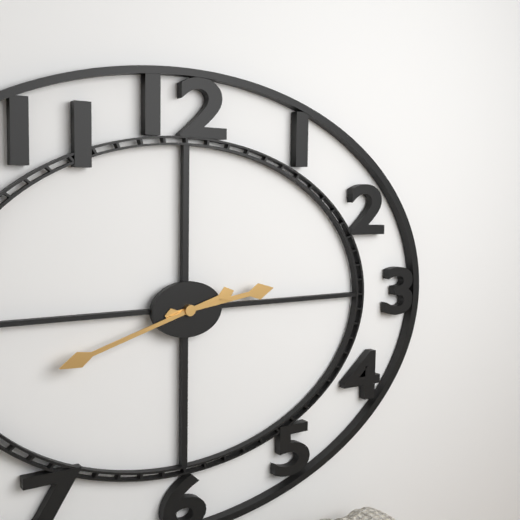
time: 2:42
